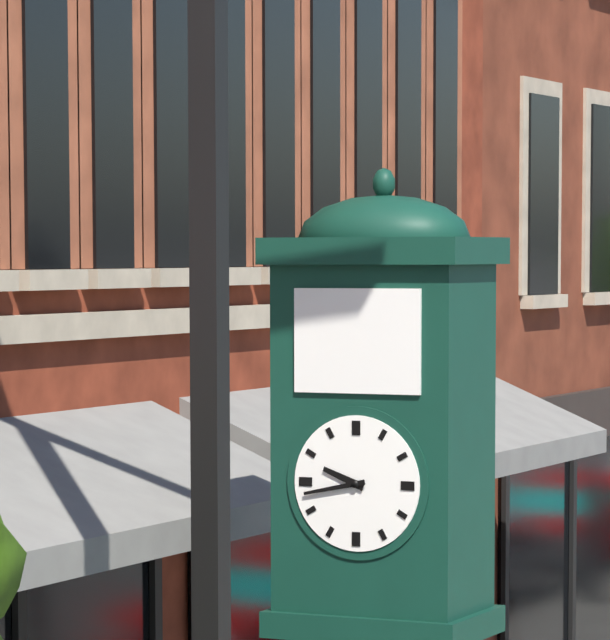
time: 9:43
